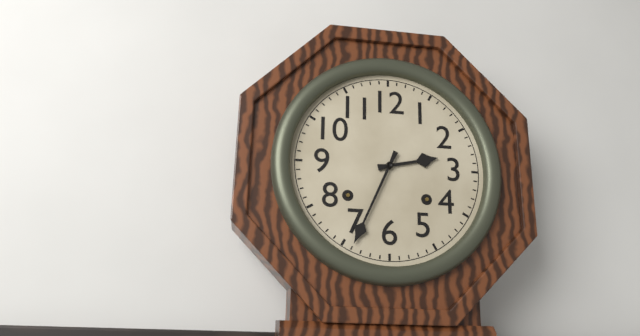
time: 2:34
